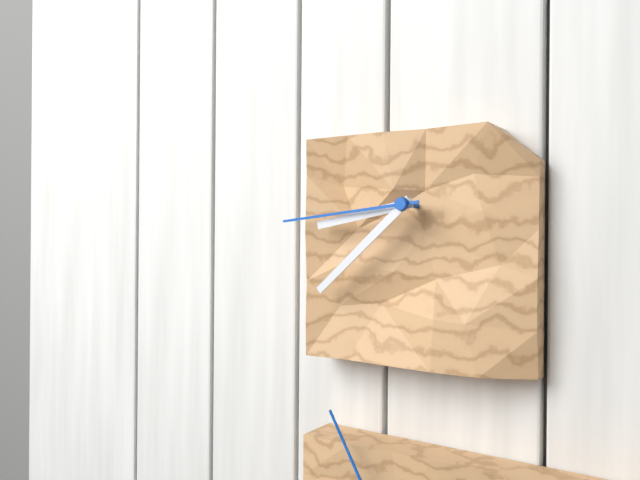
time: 8:38:44
